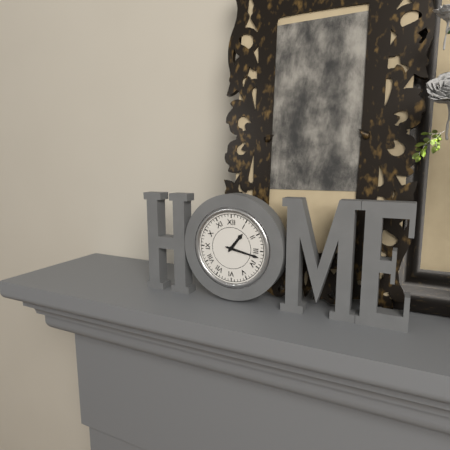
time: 1:17
